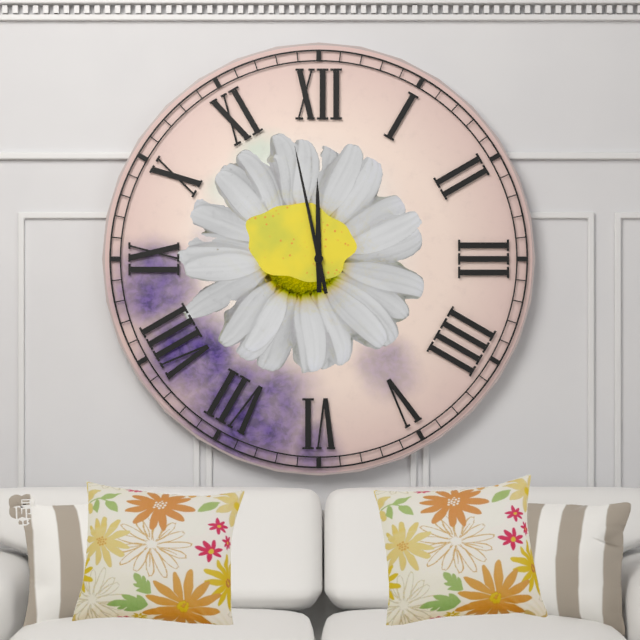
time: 11:58
